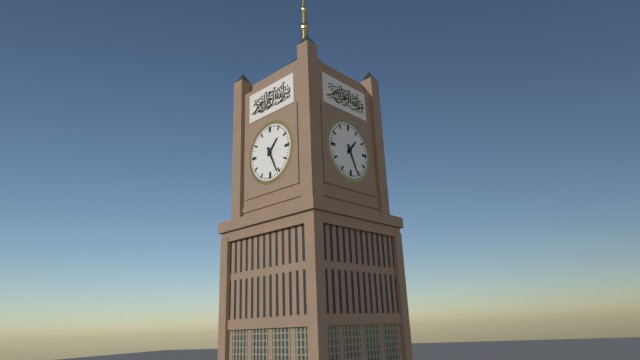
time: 1:26
